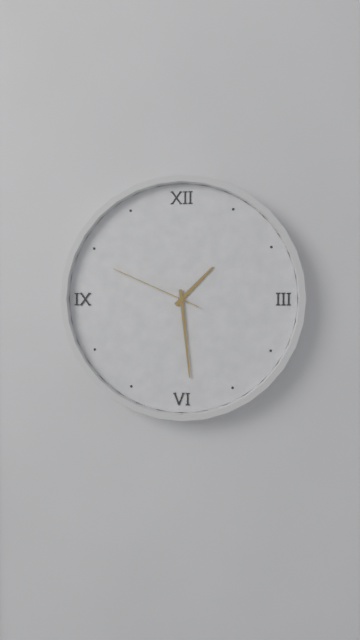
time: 1:29:49
